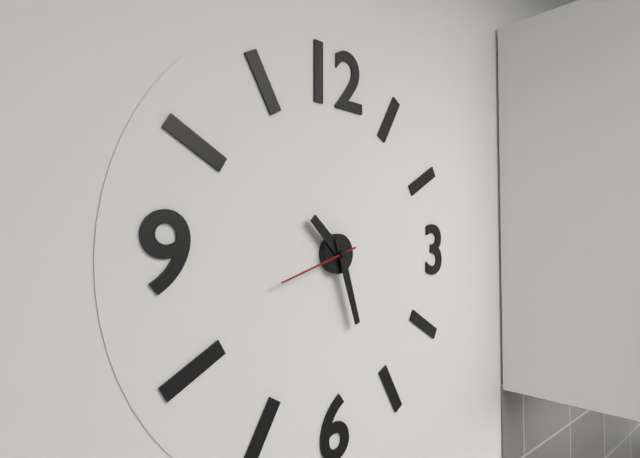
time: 10:27:42
